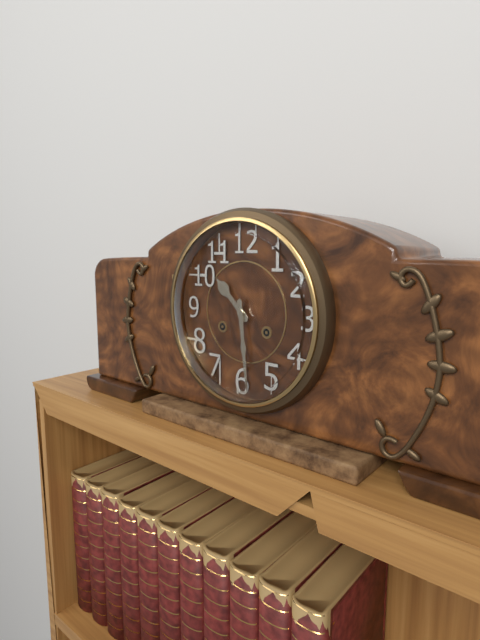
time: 10:29
